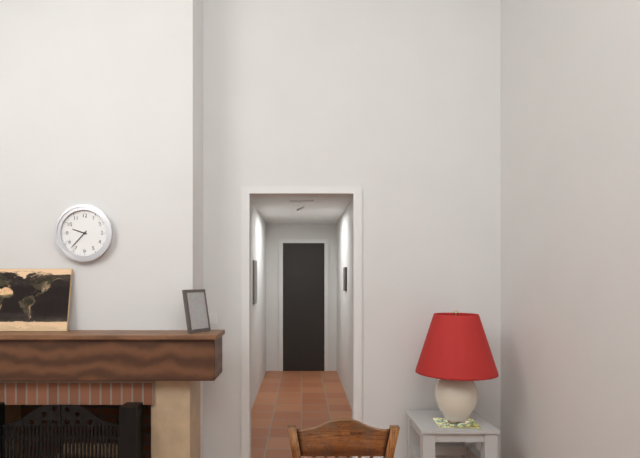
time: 9:37
